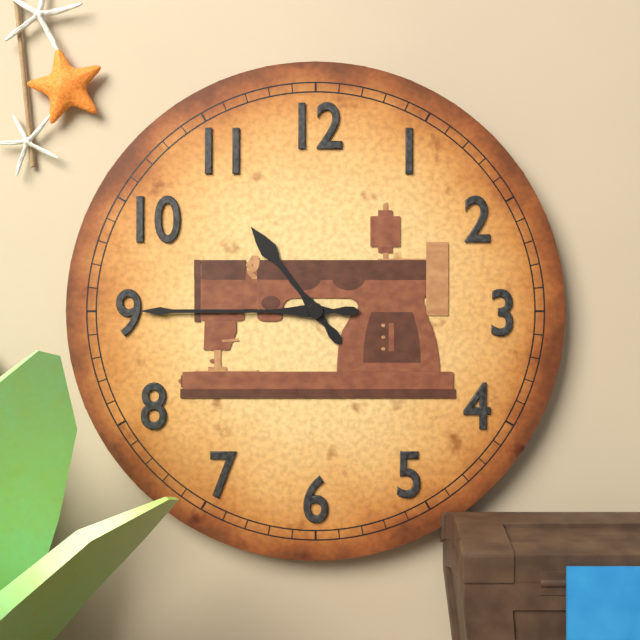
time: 10:45
